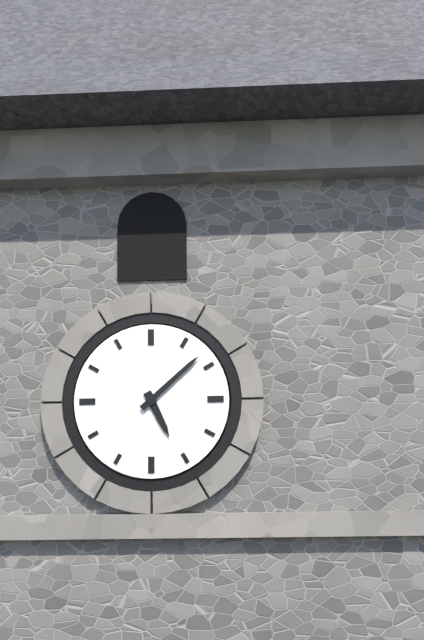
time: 5:08
